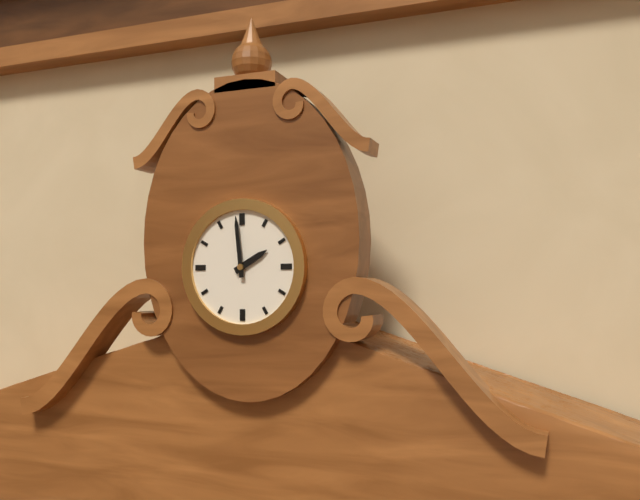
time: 1:59
